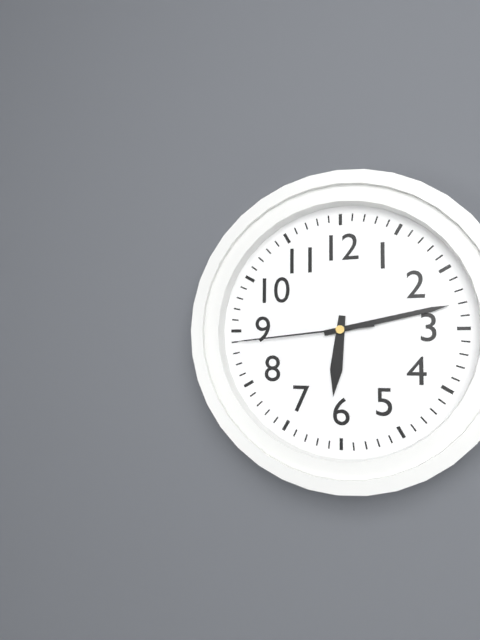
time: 6:13:44
